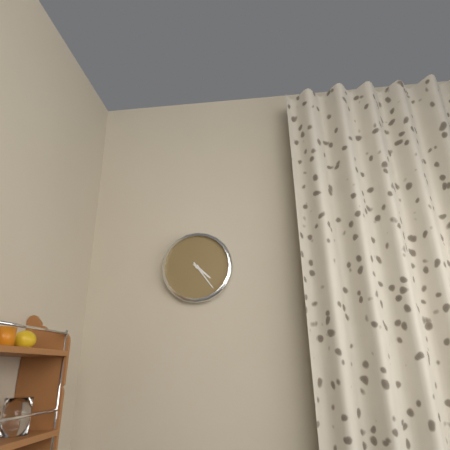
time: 4:24
